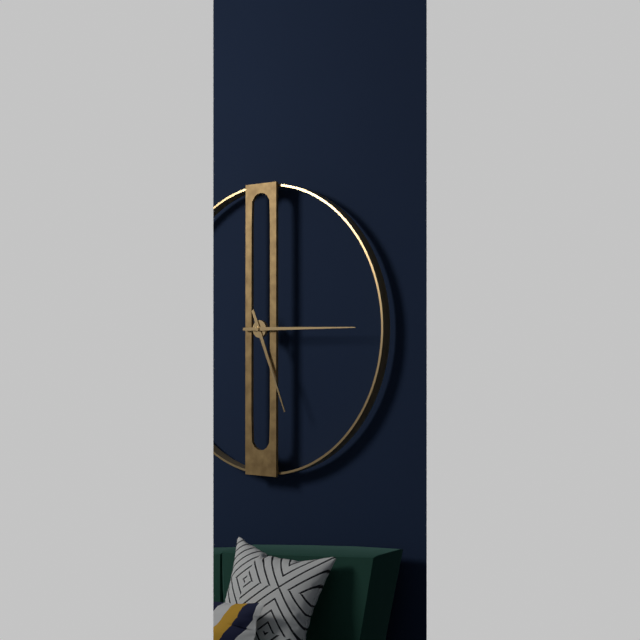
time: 5:15
